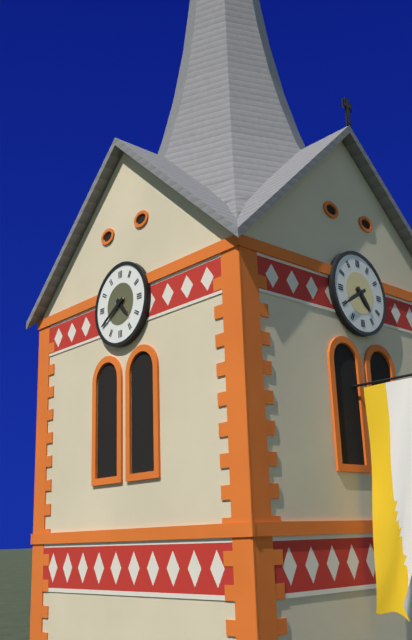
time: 4:40
